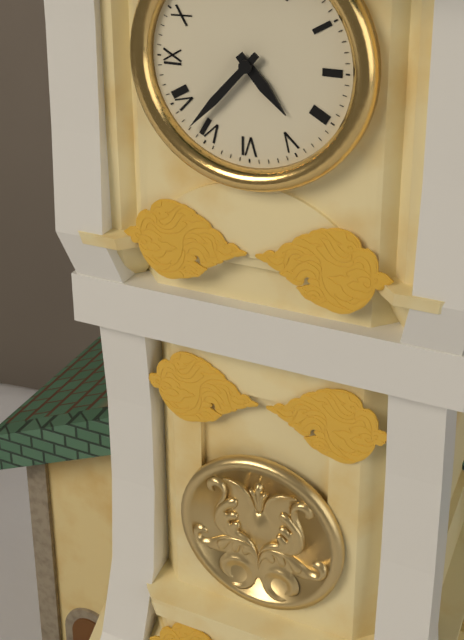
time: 4:37
